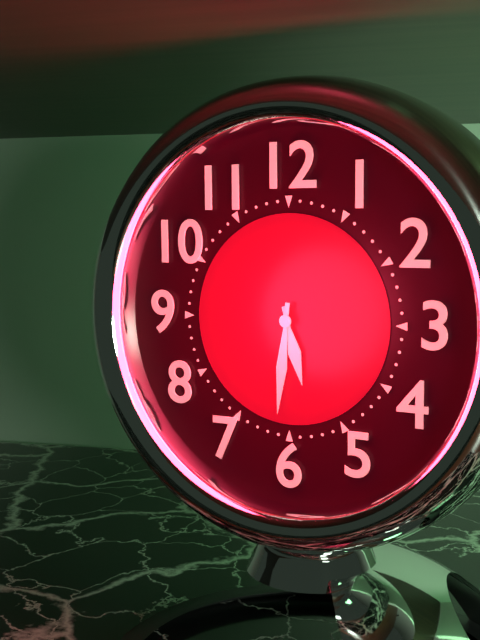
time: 5:31
